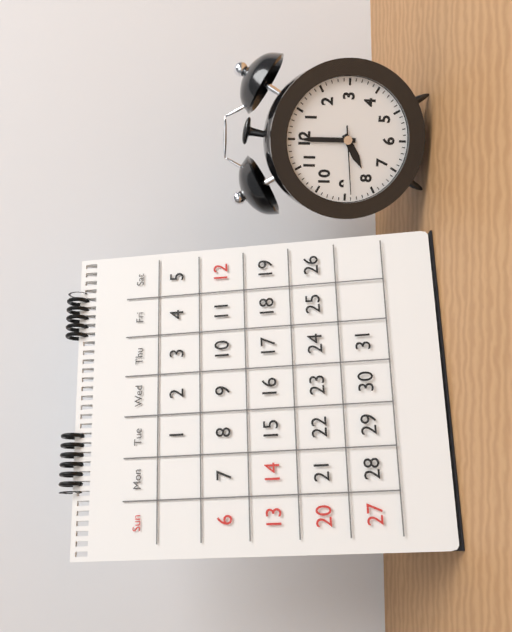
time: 8:00:44
